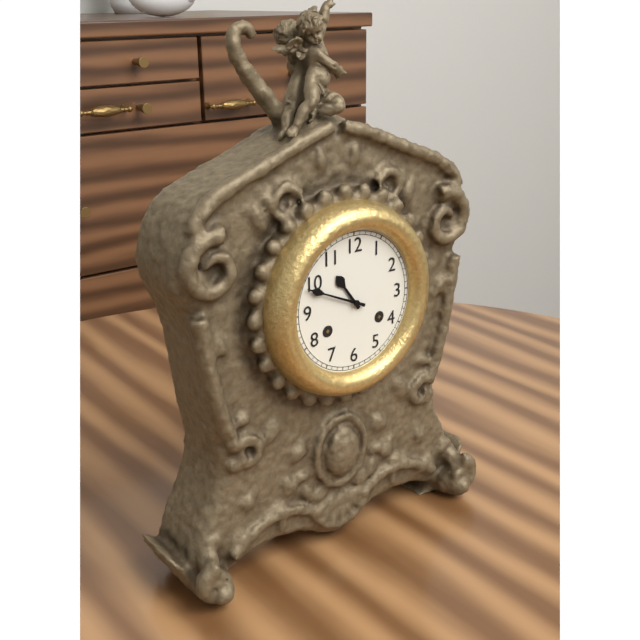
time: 10:49
